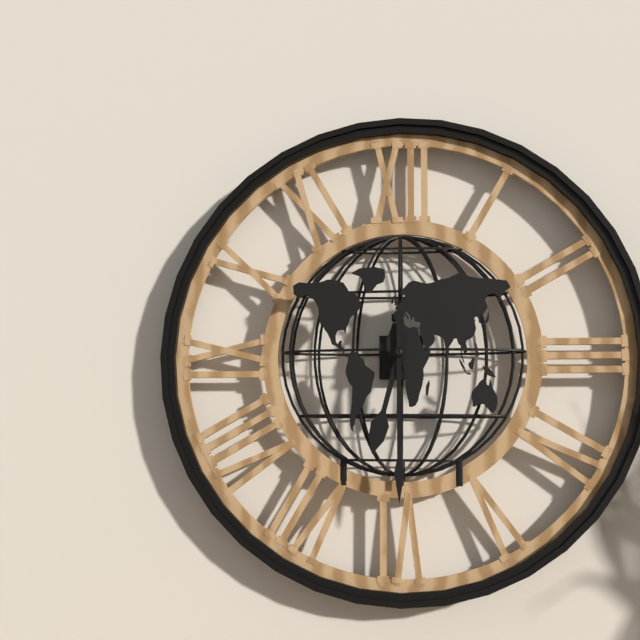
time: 6:30
